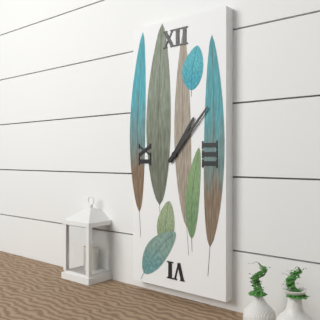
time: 1:07
